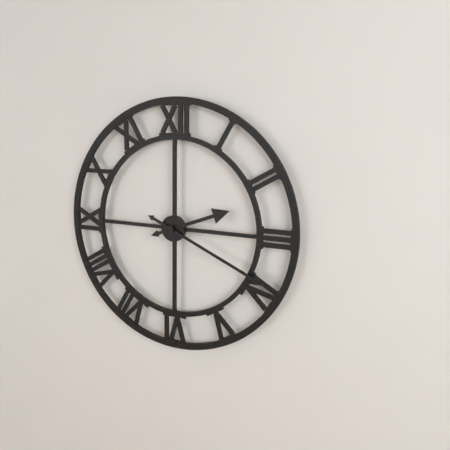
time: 2:19
